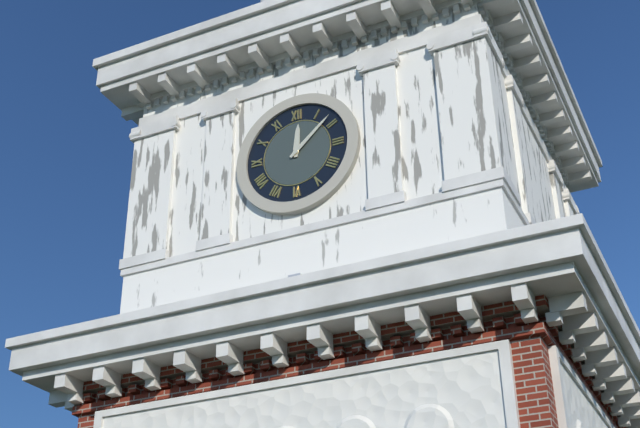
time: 12:08
